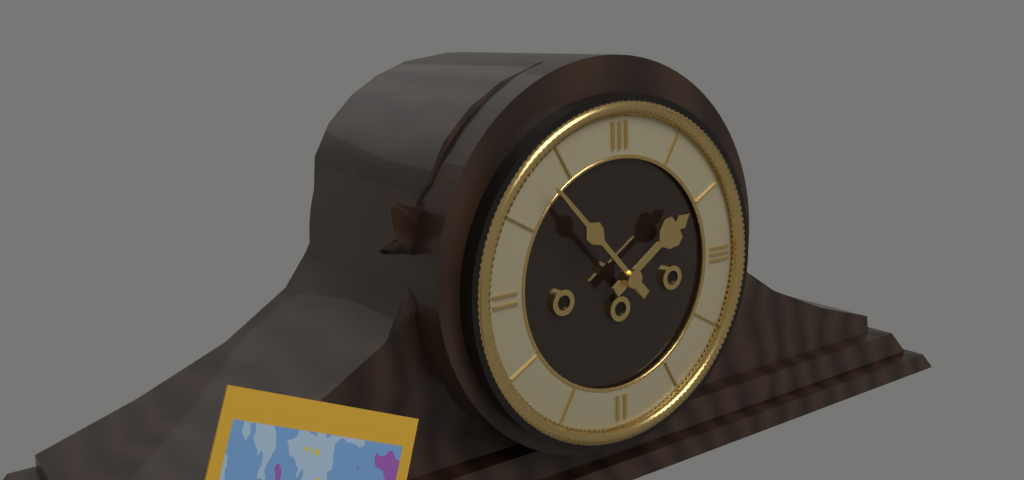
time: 1:53
